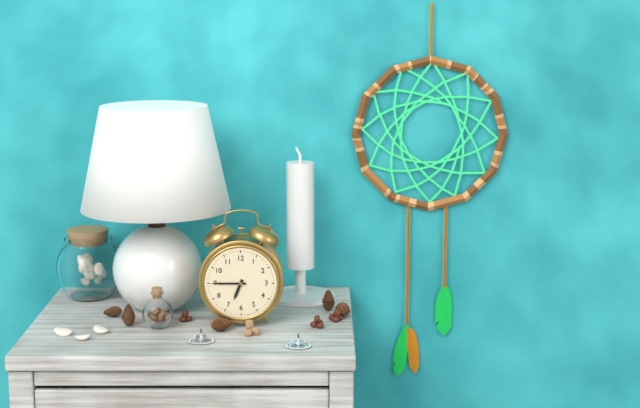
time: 6:45
